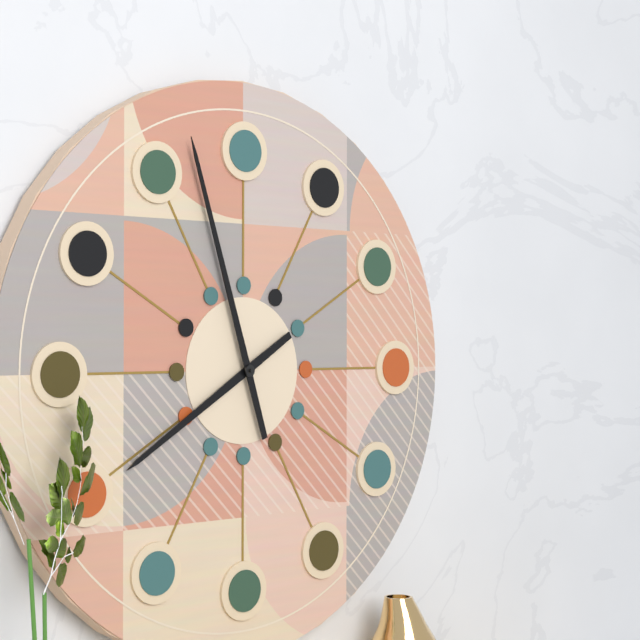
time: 7:57
